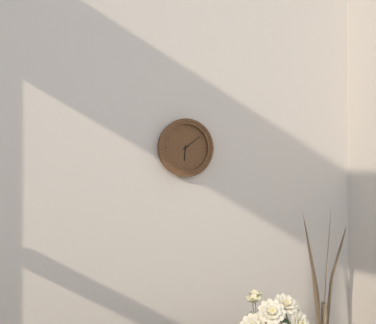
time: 6:09
